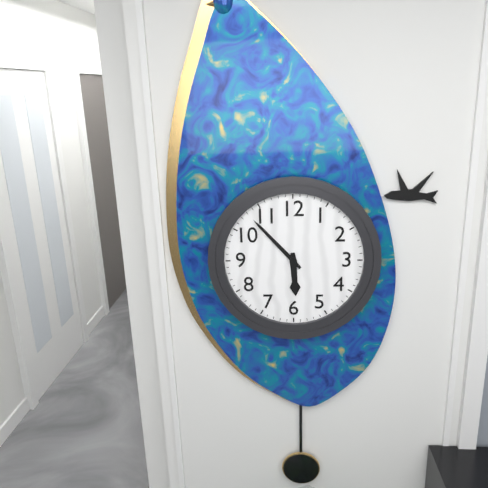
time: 5:53
